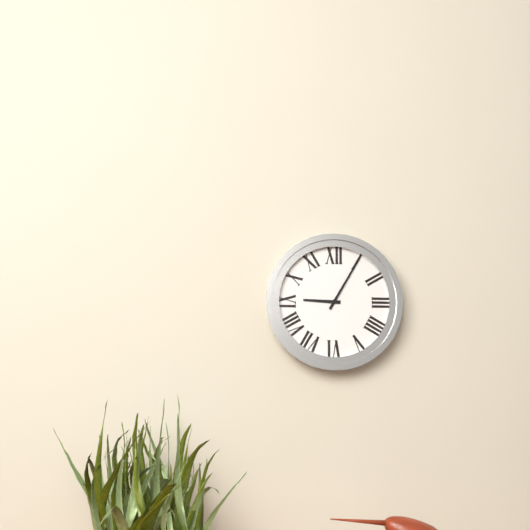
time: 9:05
